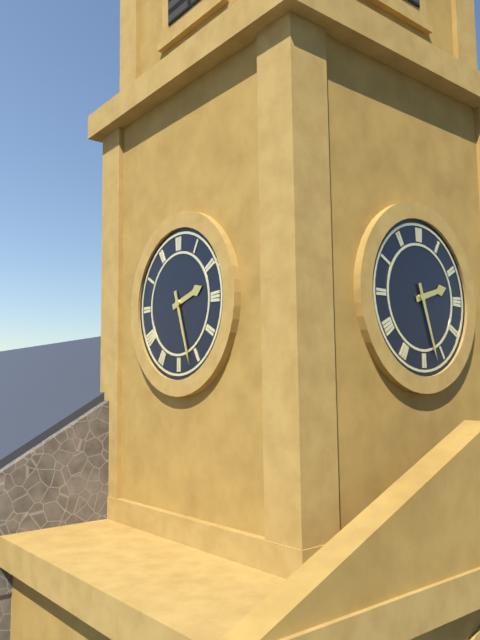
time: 2:27
